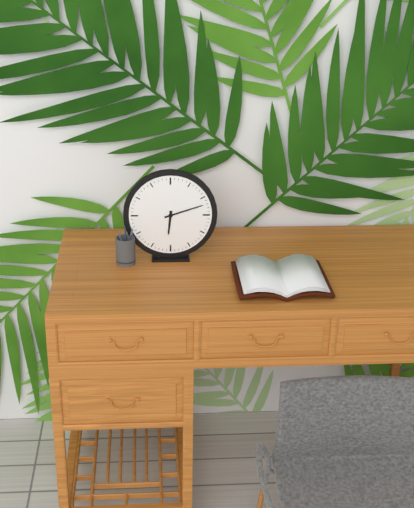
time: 6:12
